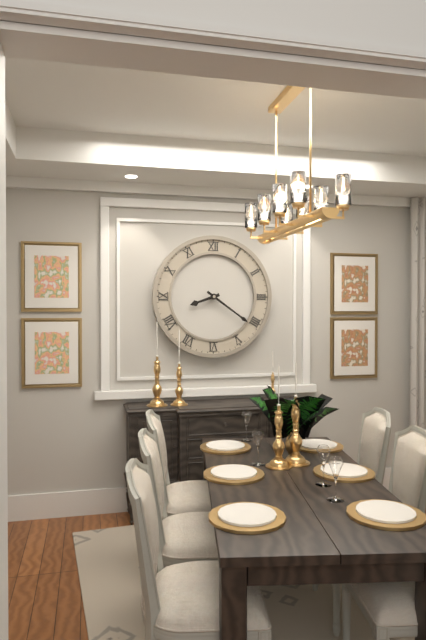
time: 8:21
